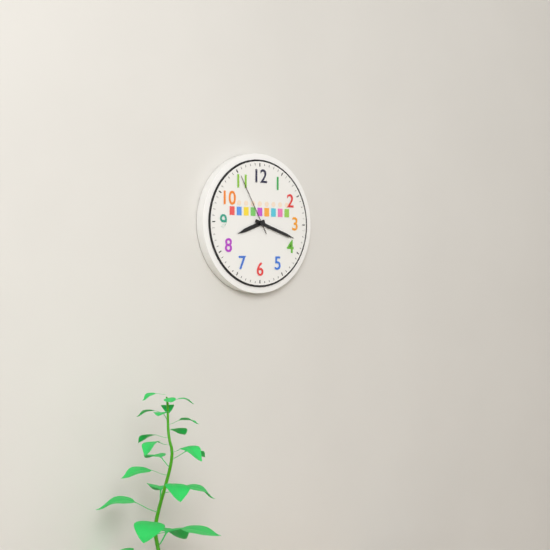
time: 8:18:55
